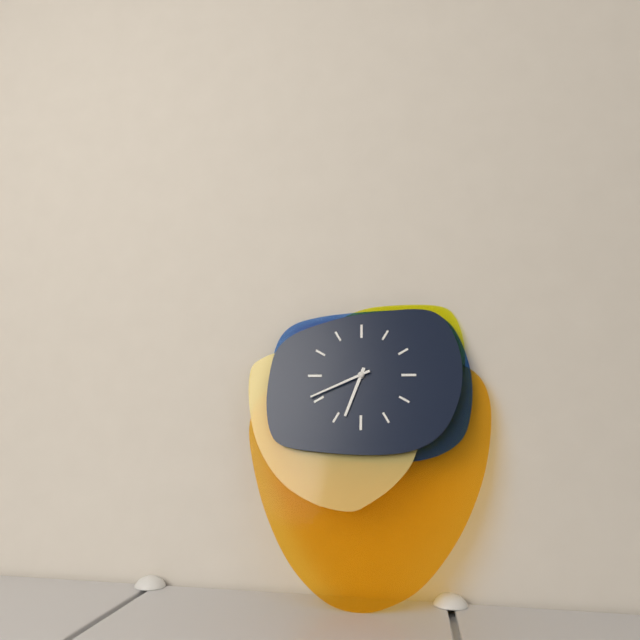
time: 6:41
